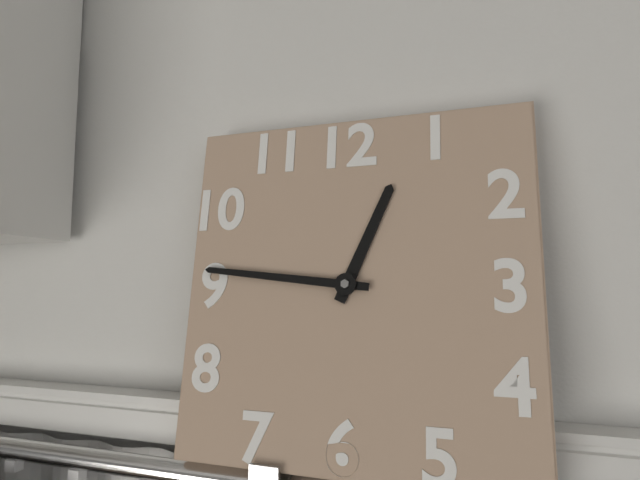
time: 12:46
